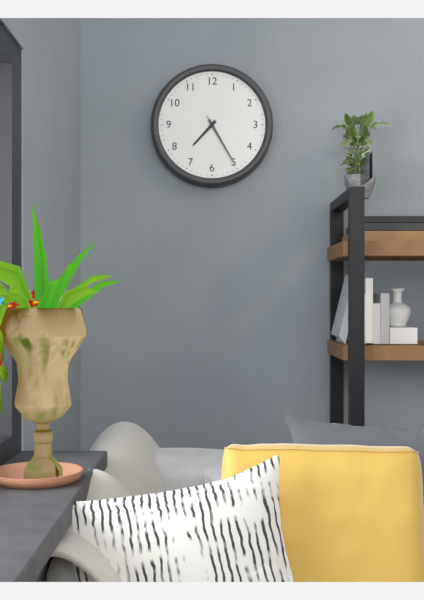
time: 7:25:25
